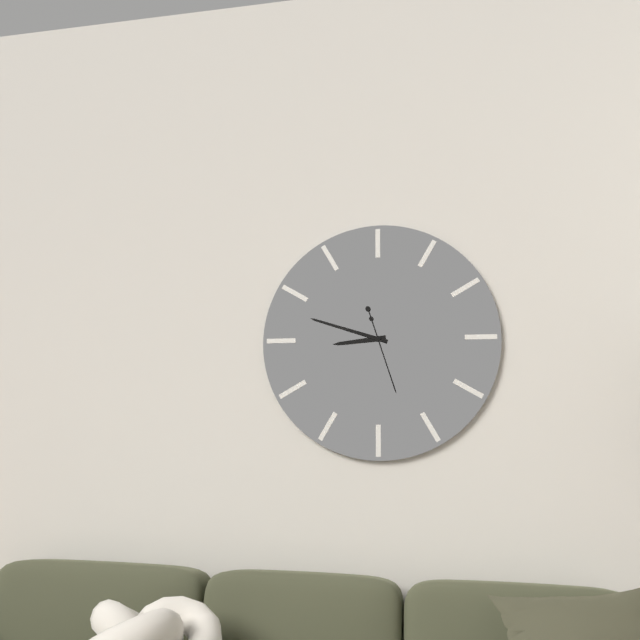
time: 8:48:27
